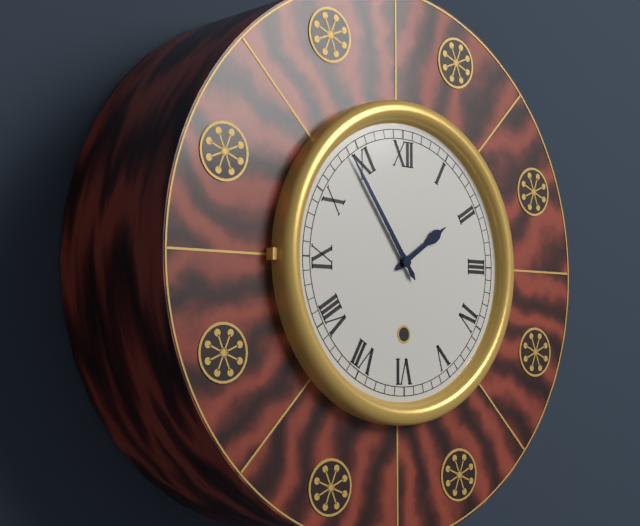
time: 1:54
